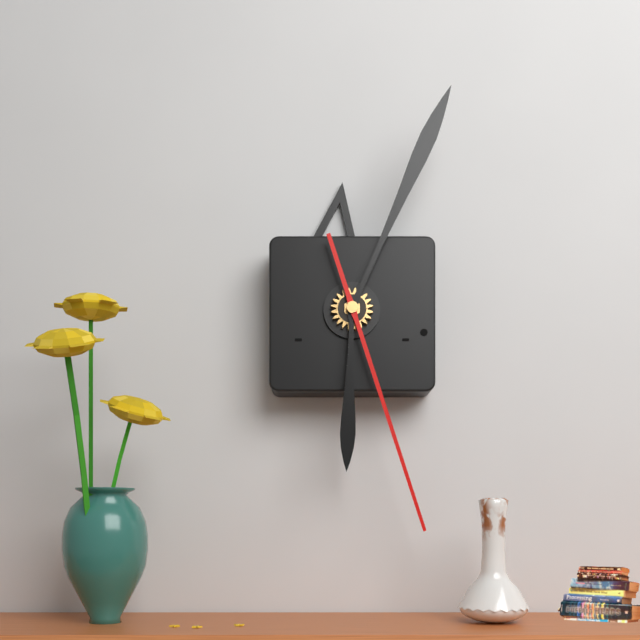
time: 6:04:27
